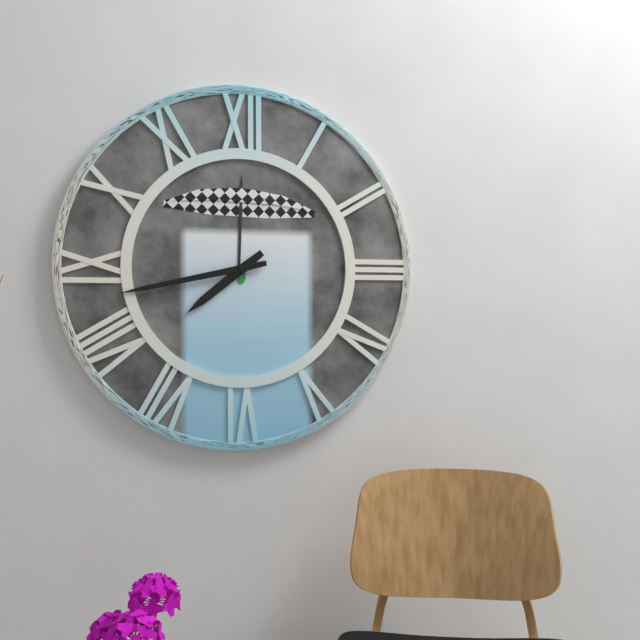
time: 7:43
